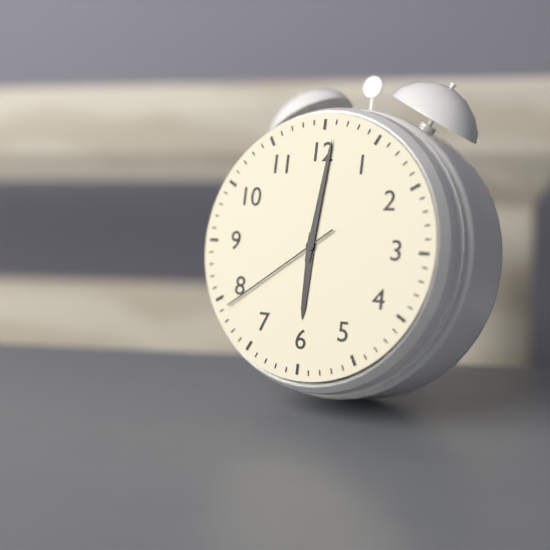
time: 6:01:39
